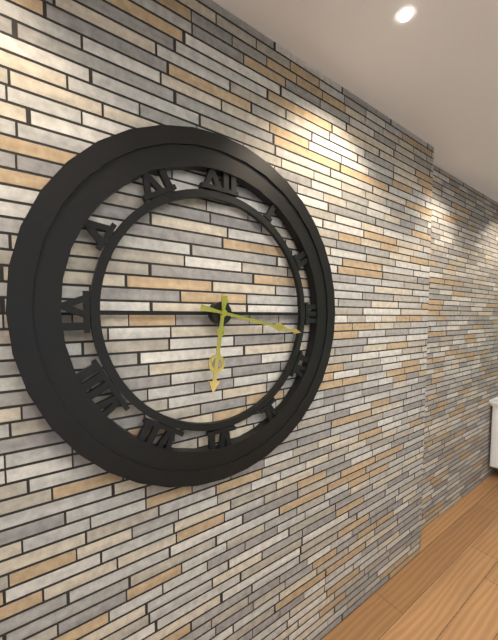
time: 6:17
